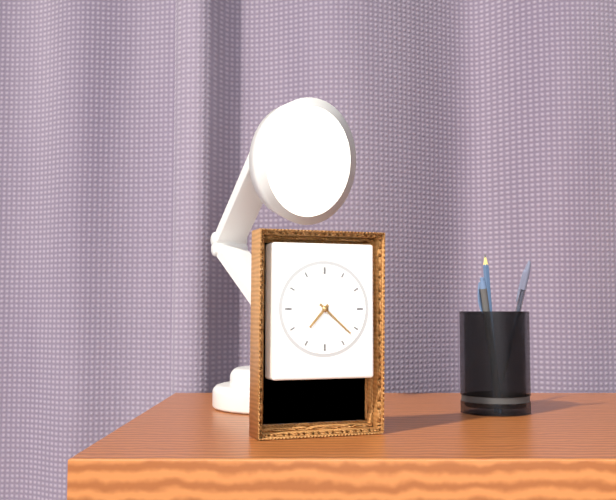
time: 7:22
